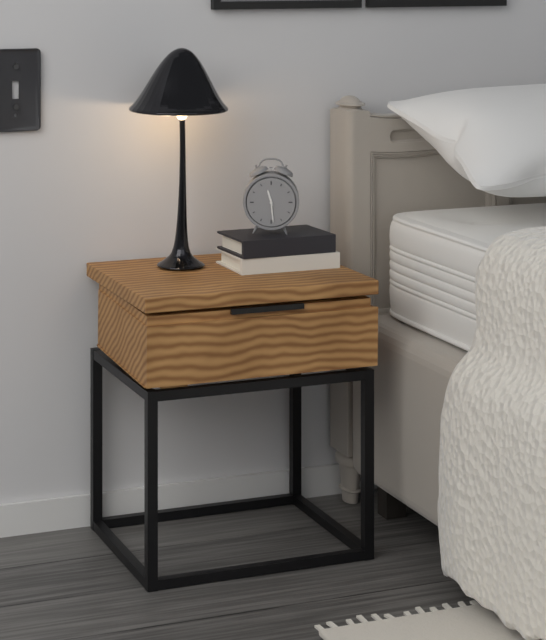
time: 11:29
